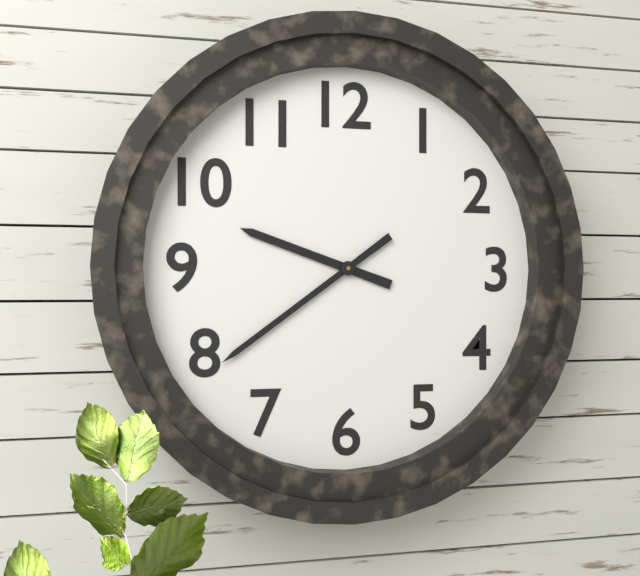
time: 9:39
